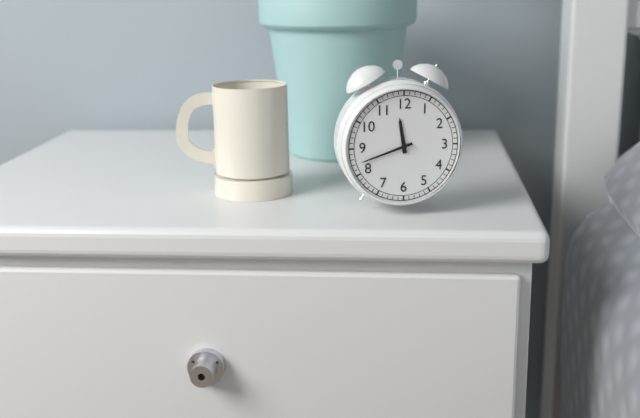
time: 11:42
